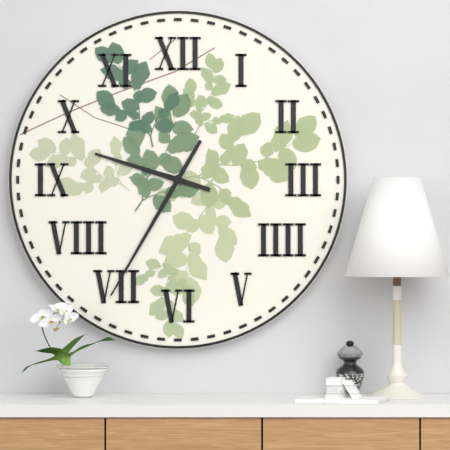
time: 9:35
